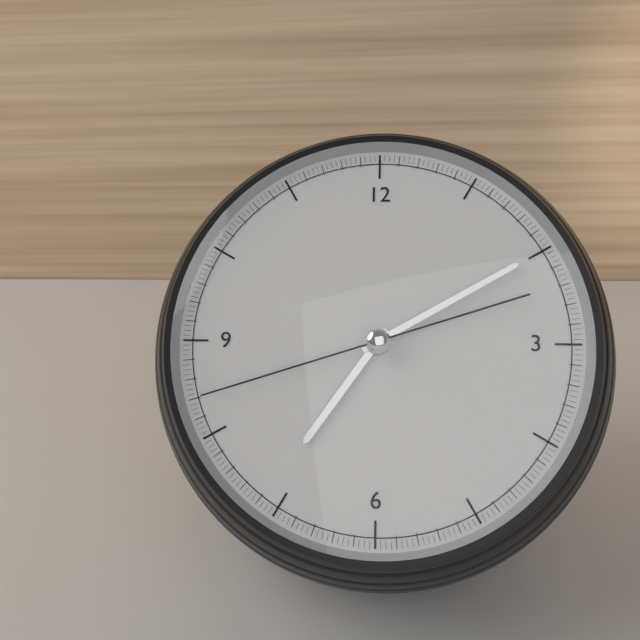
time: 7:10:42
